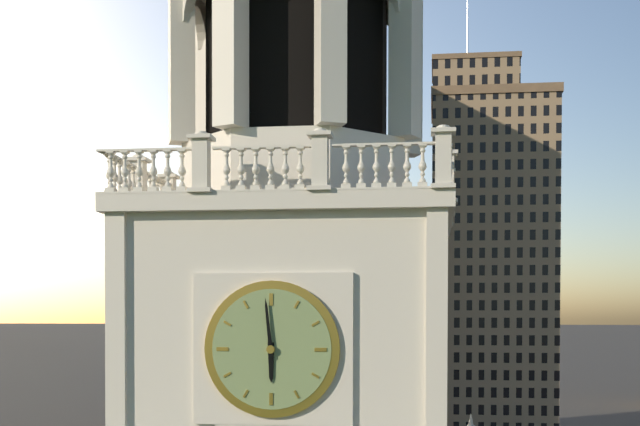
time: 5:59
